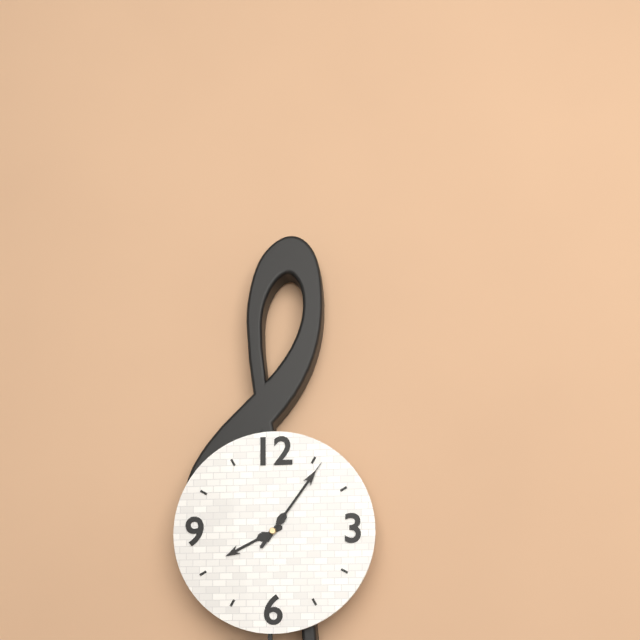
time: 8:06:06
